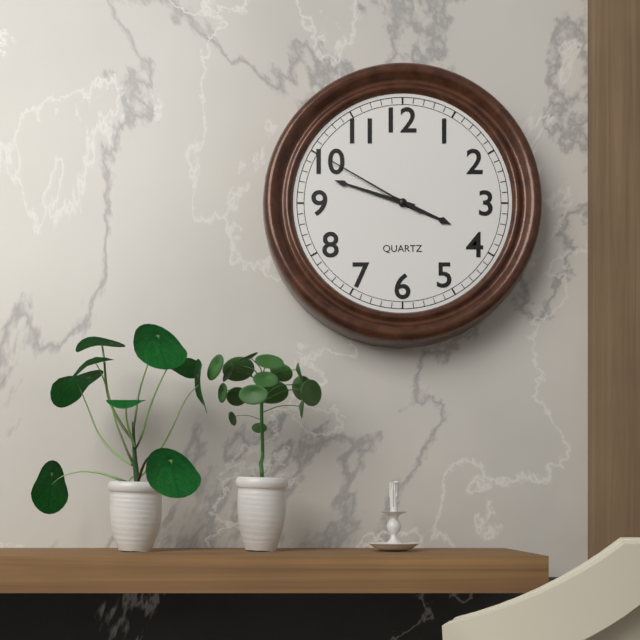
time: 3:48:50
